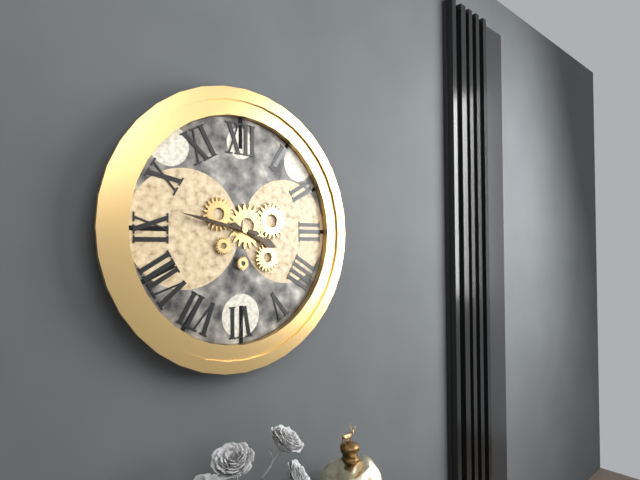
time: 3:47
